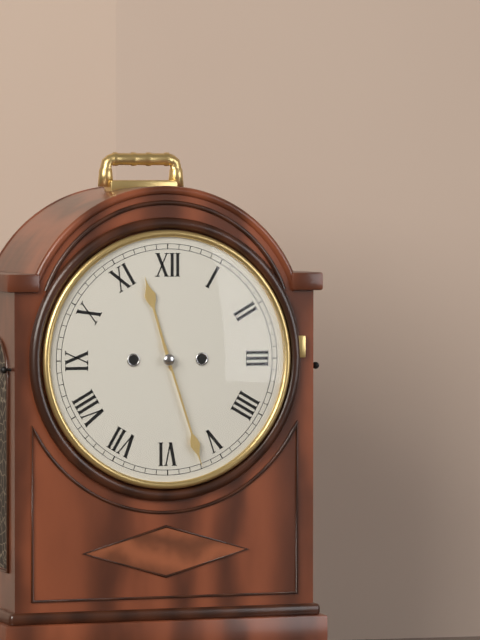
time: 11:27
